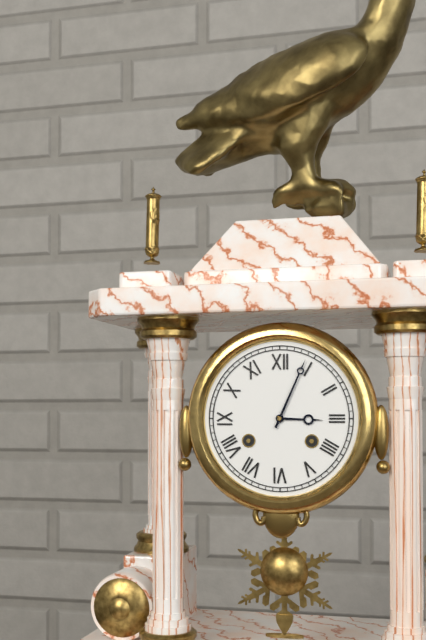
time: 3:04
